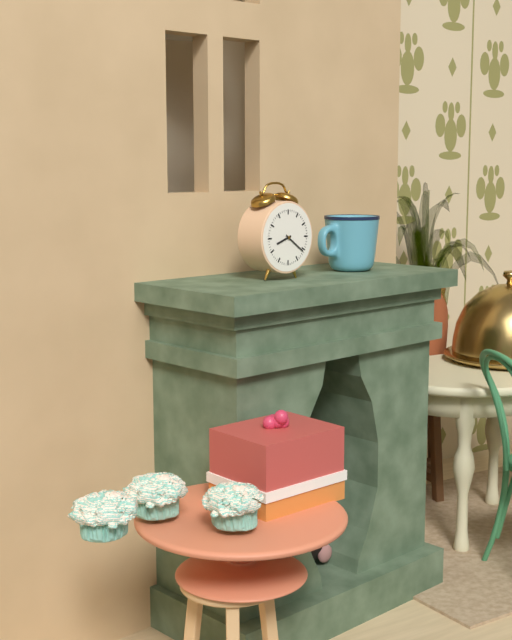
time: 8:21
